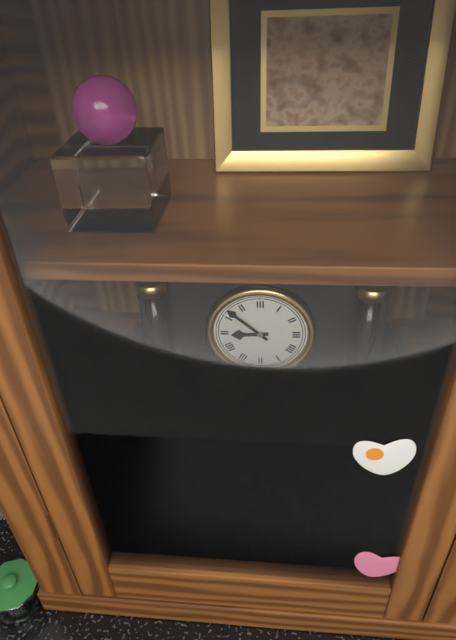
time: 8:52
